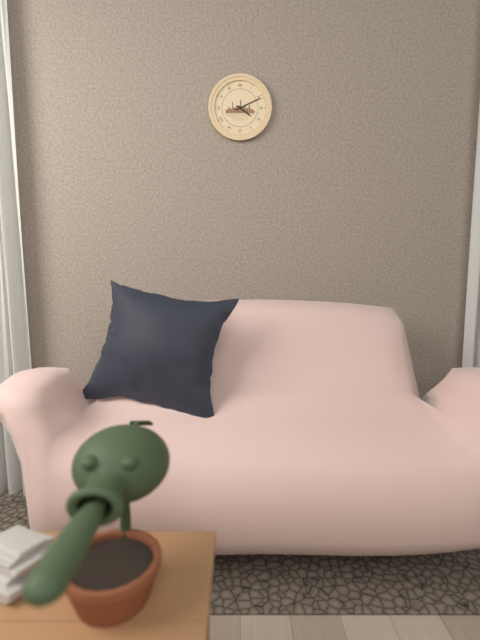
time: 4:11
